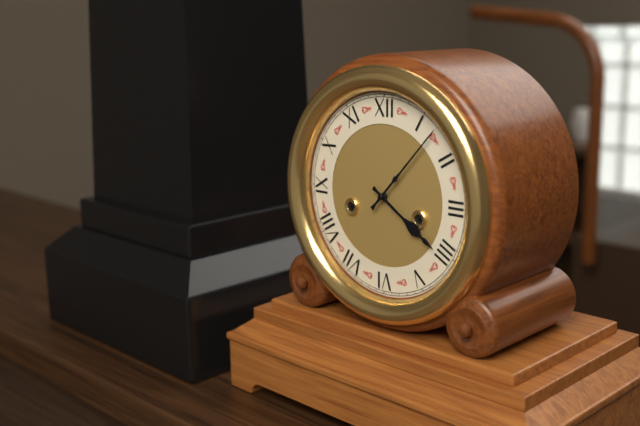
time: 4:07
